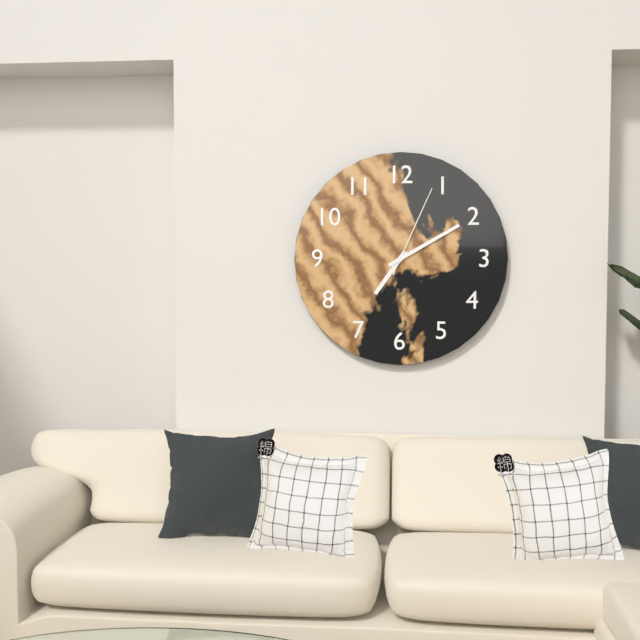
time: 7:10:04
